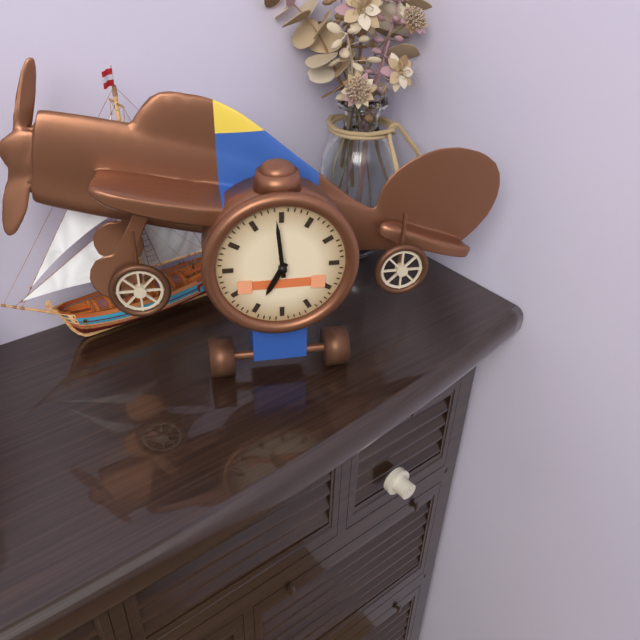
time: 6:59
